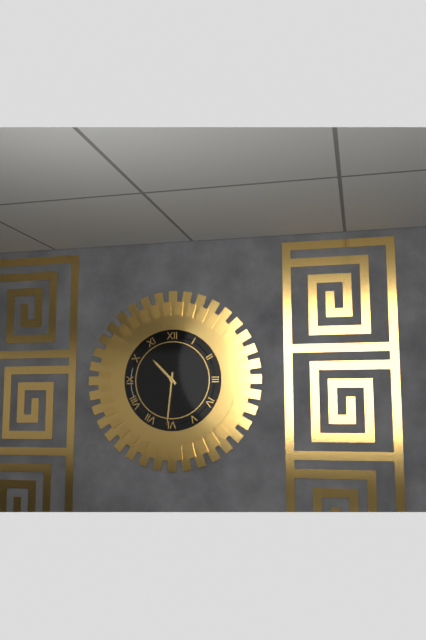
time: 10:31
